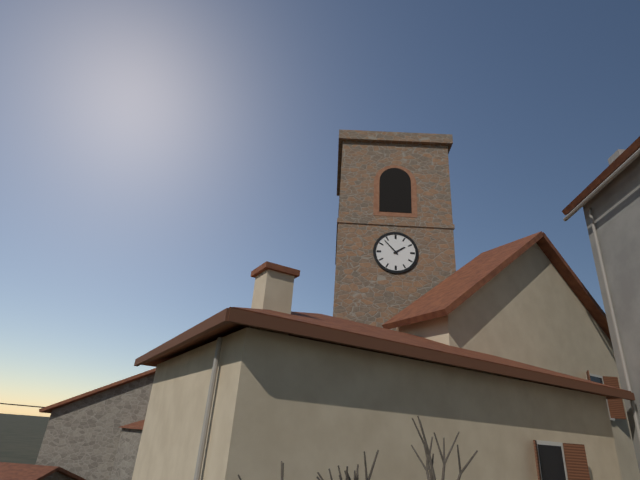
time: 1:53
